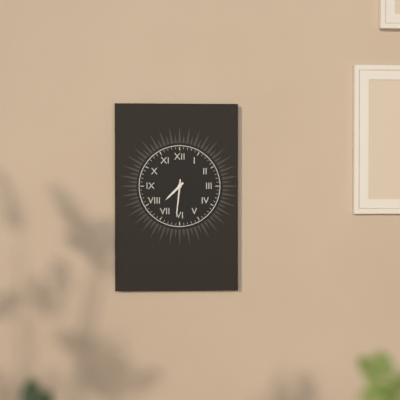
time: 7:31
